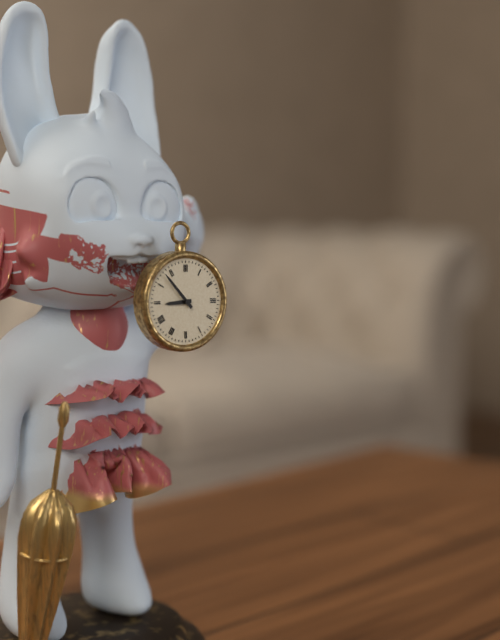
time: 8:53
